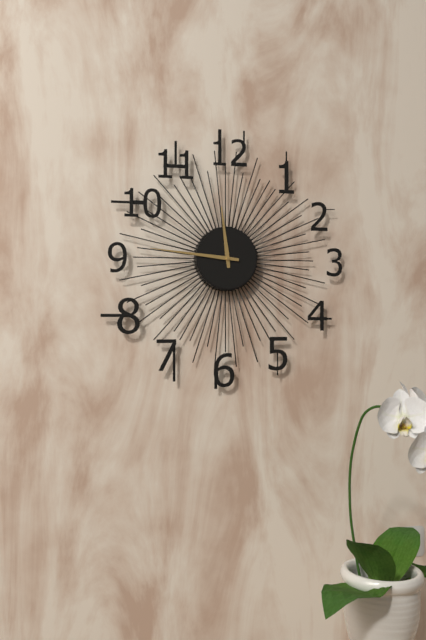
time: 11:46
